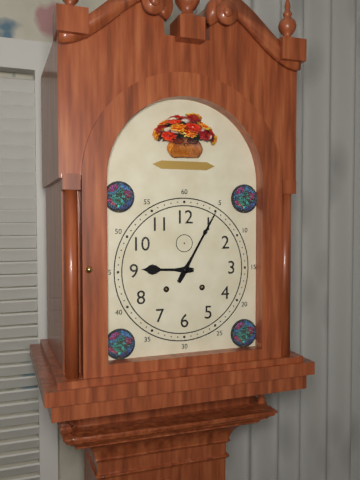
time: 9:05
